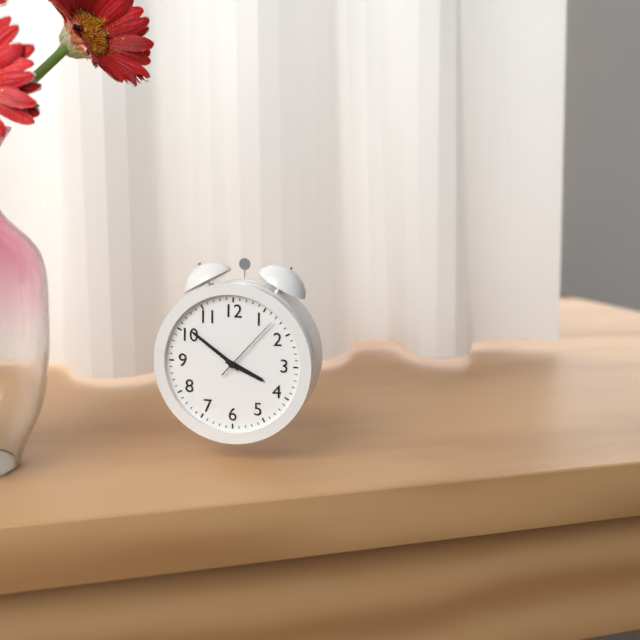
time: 3:51:07
